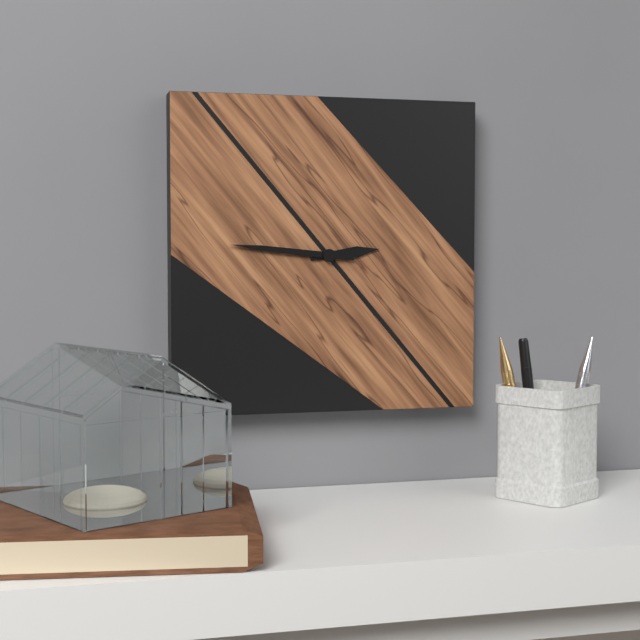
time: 2:46
